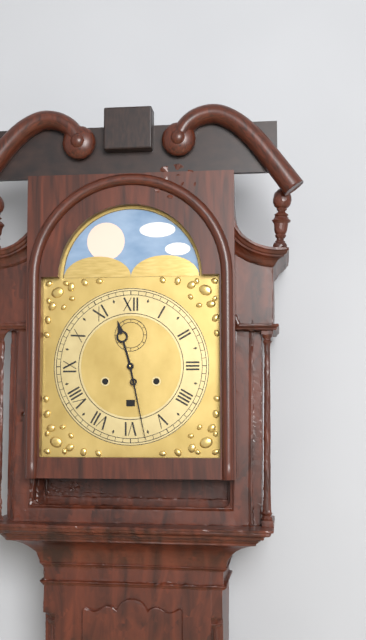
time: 11:28
